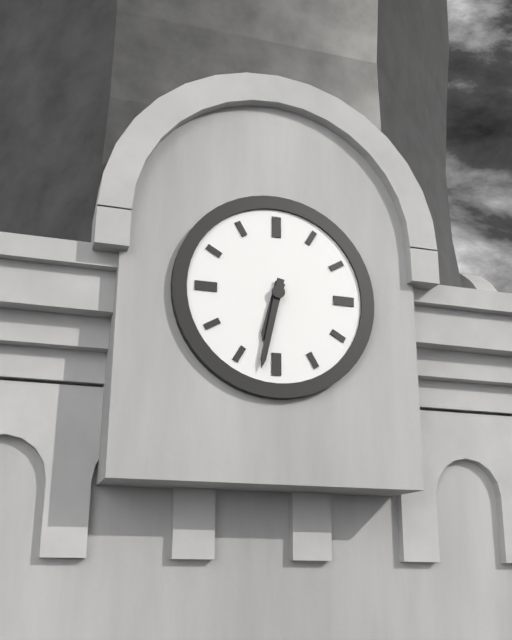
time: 6:32
